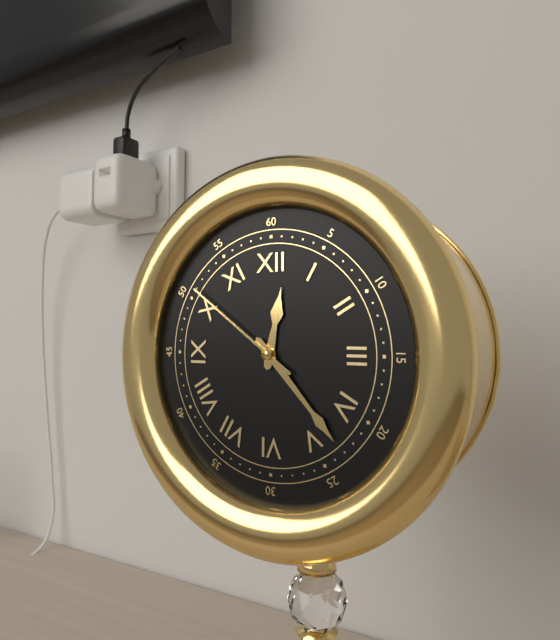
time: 12:23:51
